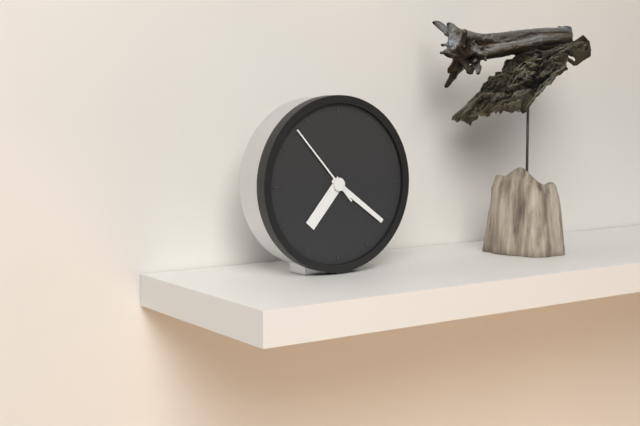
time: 7:21:53
